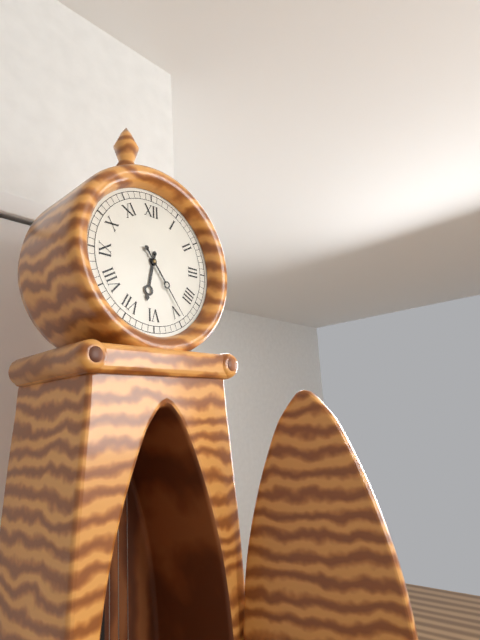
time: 6:24
